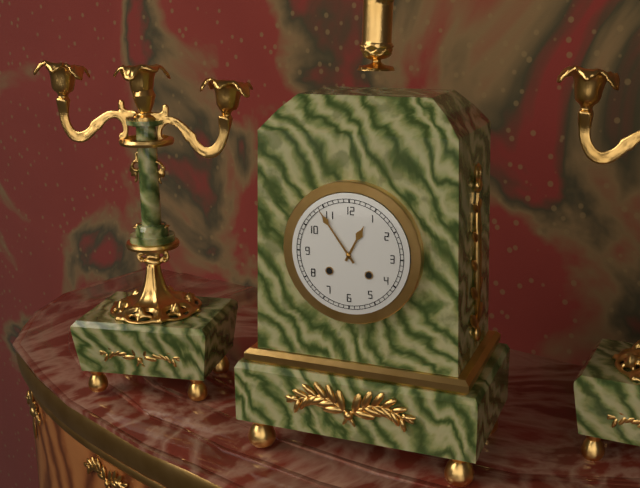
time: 12:54
